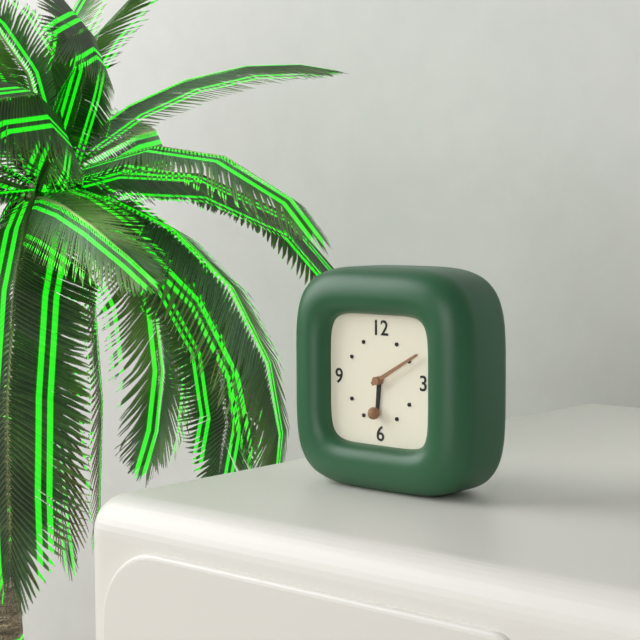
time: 6:10
